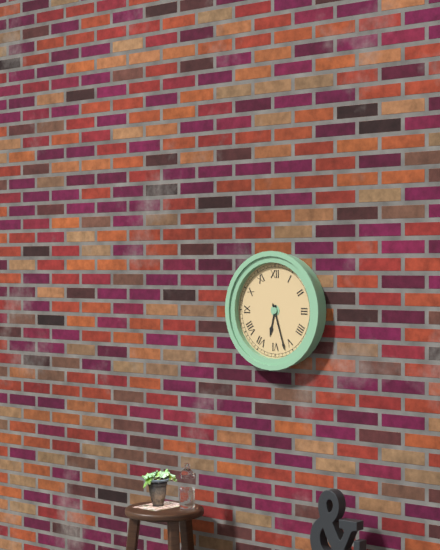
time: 6:27
